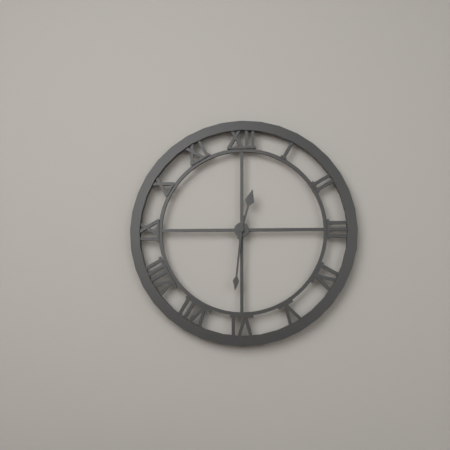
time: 12:31
